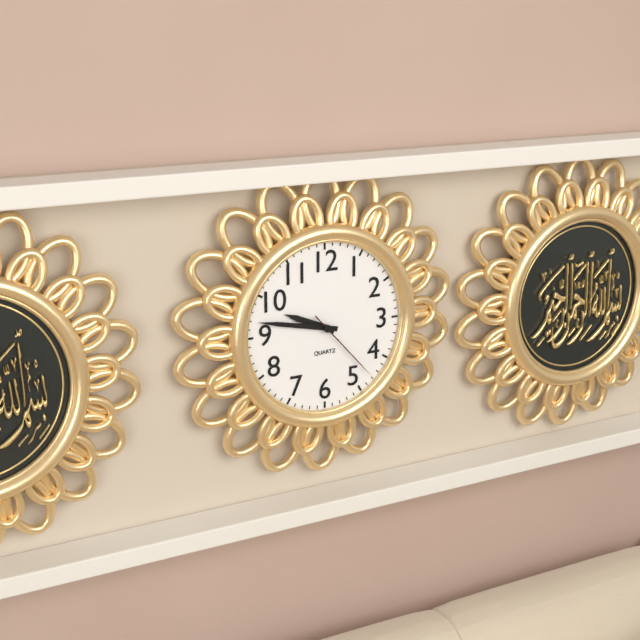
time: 9:47:23
